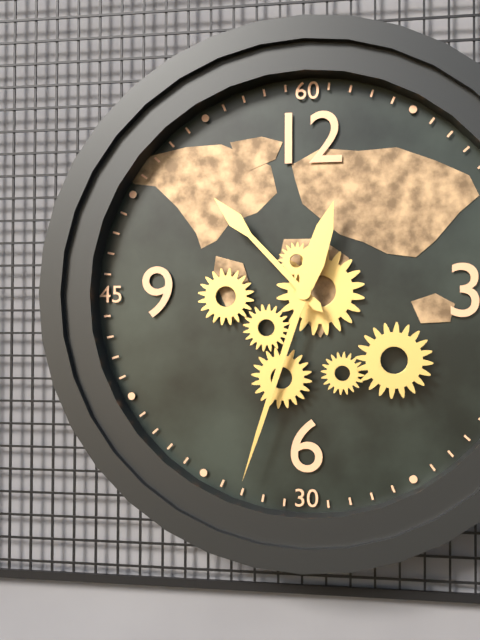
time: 10:33
